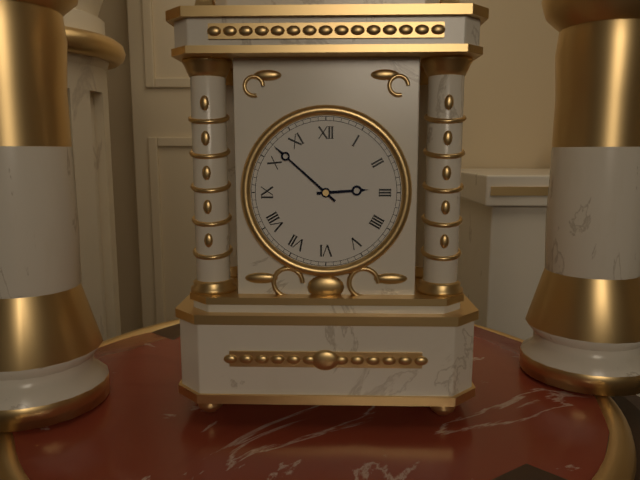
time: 2:52
